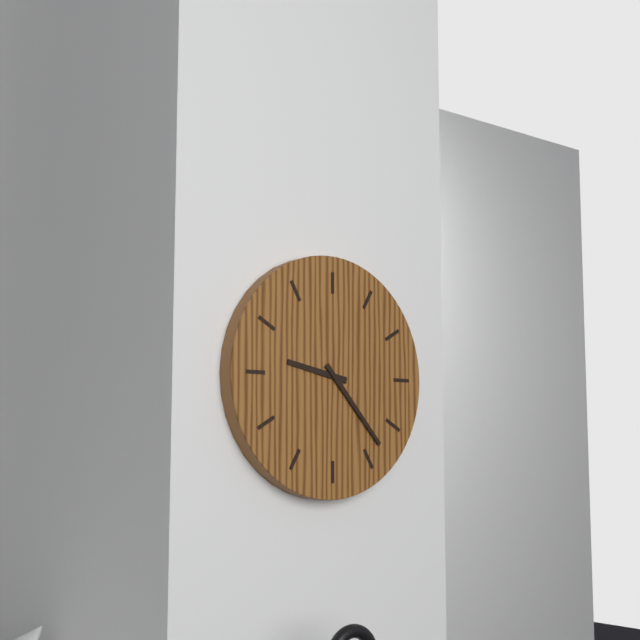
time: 9:23
